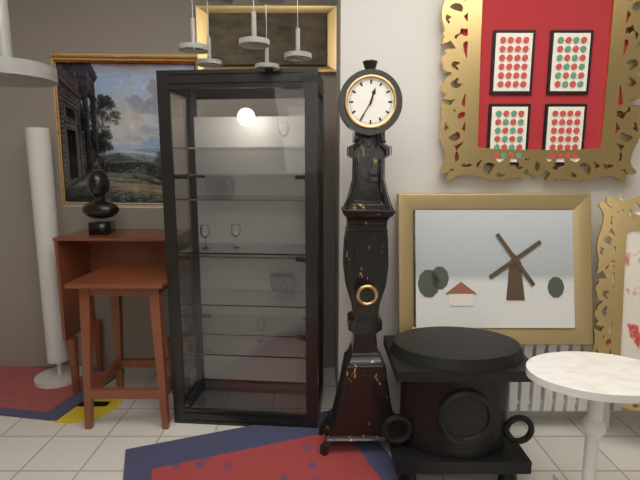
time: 12:35
